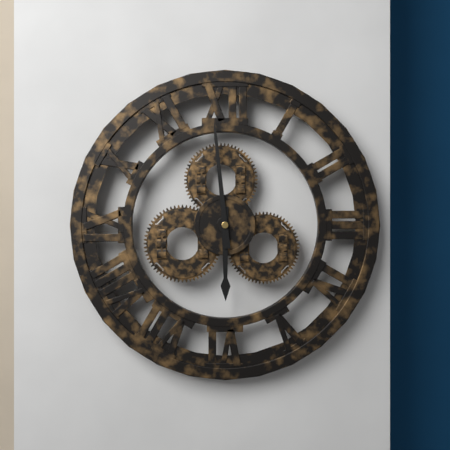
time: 5:59
